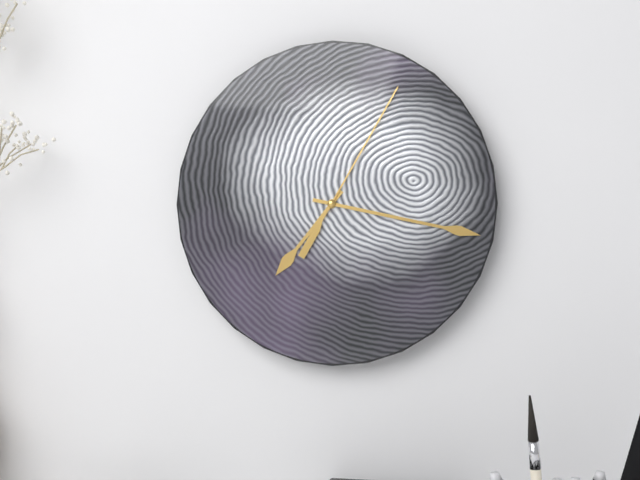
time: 7:17:05
